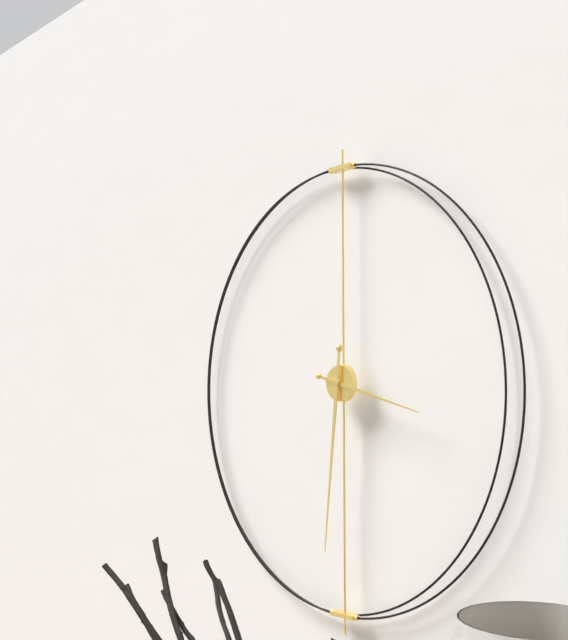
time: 3:31
